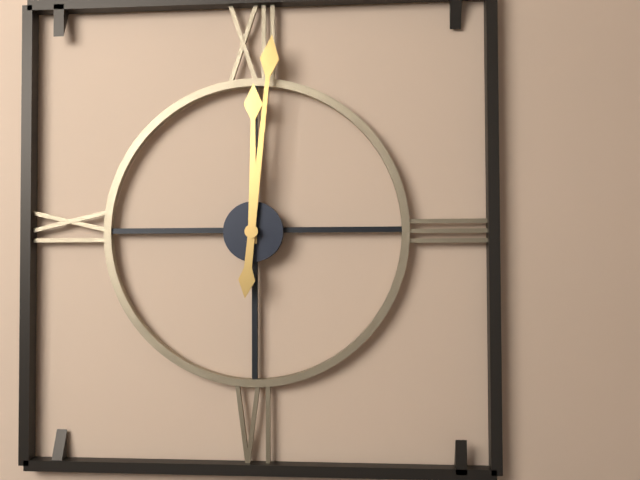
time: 12:01
